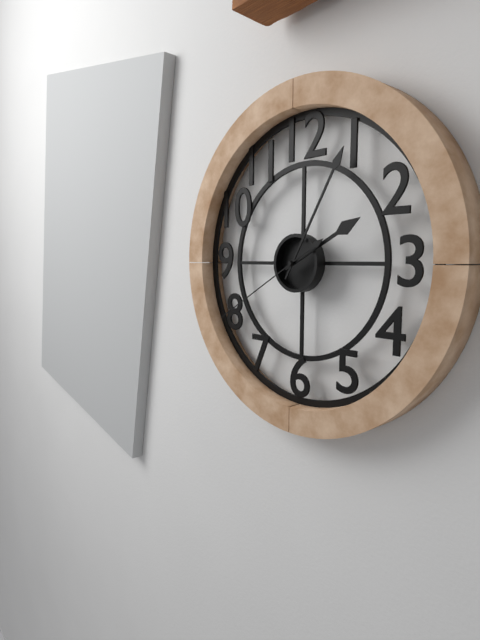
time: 2:05:40
